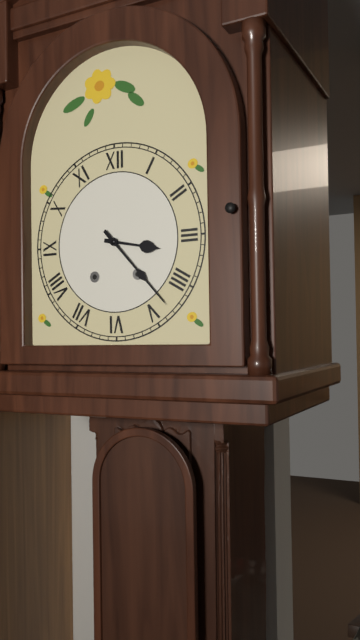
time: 3:23
